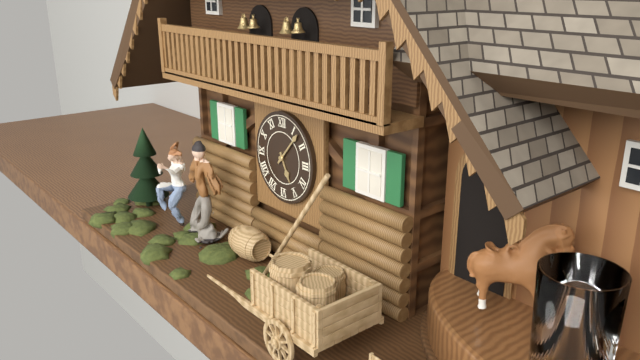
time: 5:07
